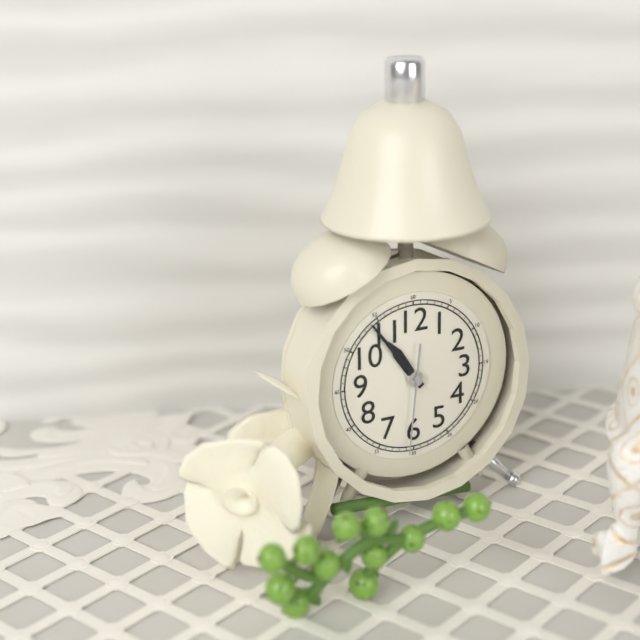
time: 10:54:31
